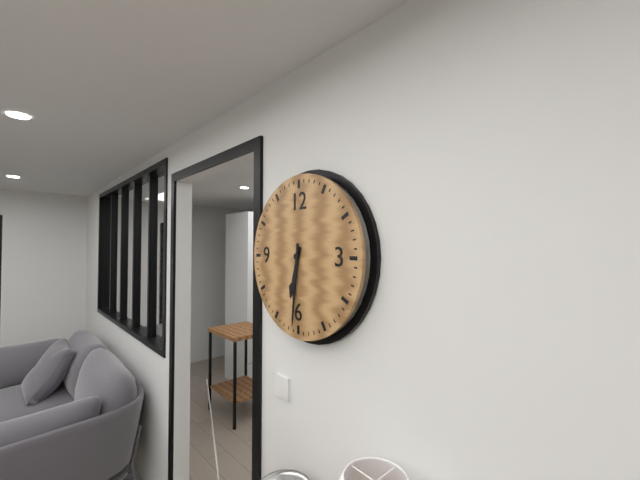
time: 6:31
